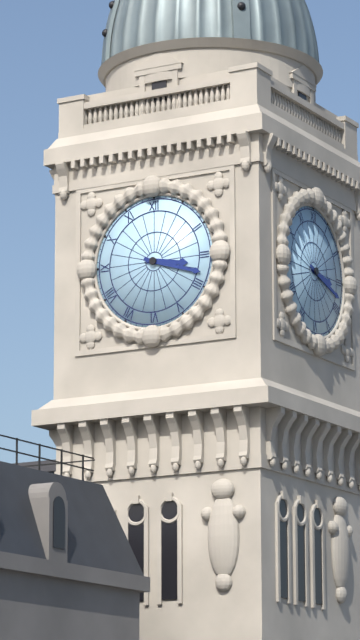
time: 3:18
